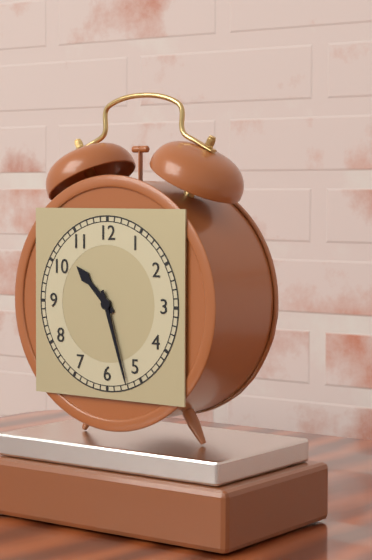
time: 10:27
